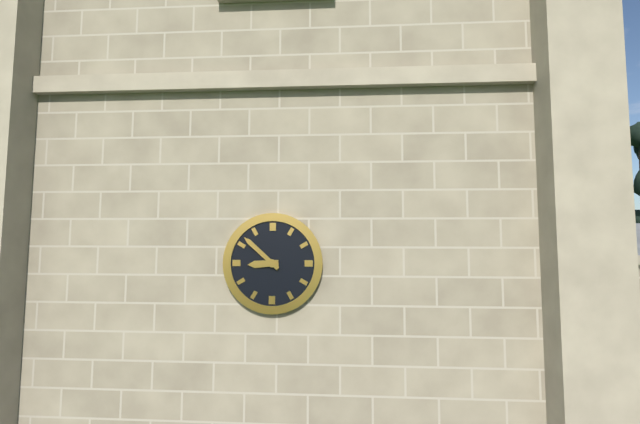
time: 8:52
